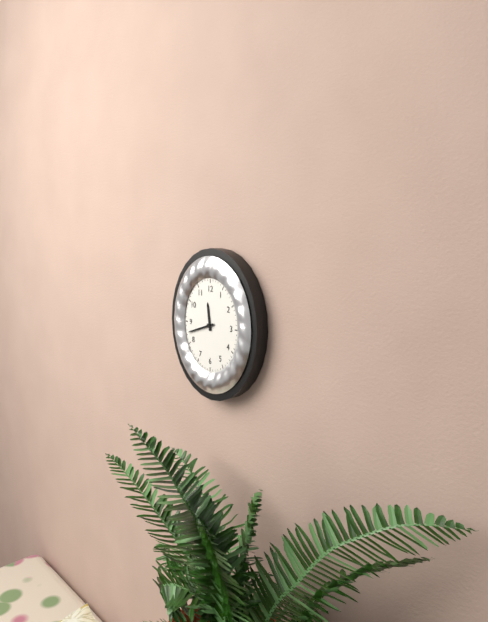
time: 11:42
